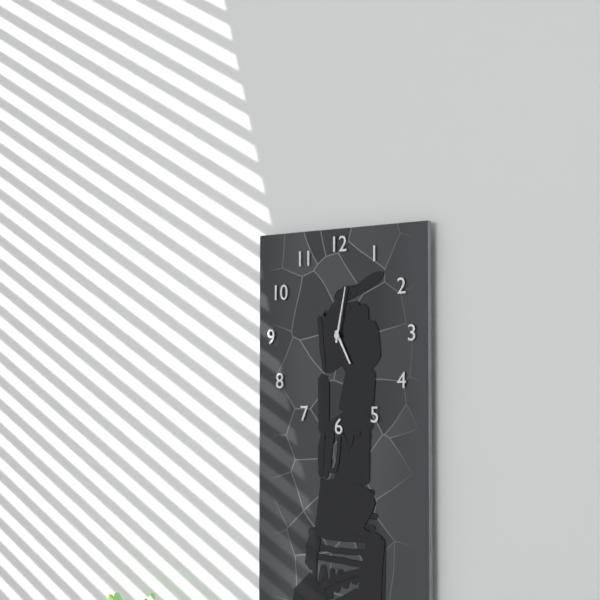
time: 5:02
